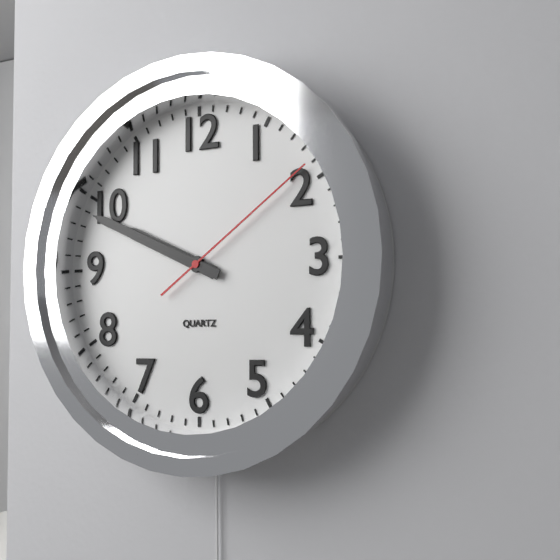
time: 9:49:09
